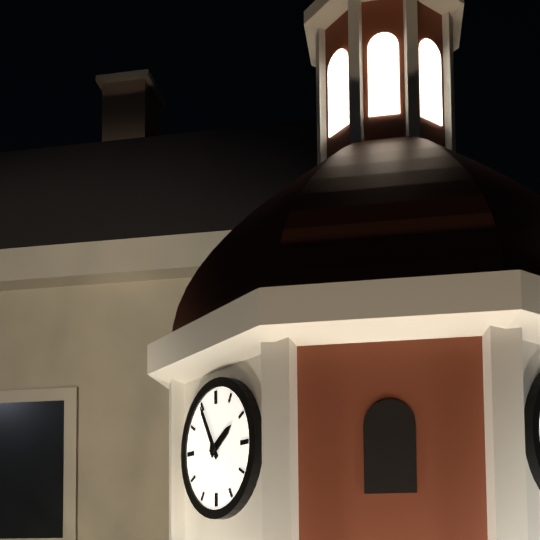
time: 1:55
